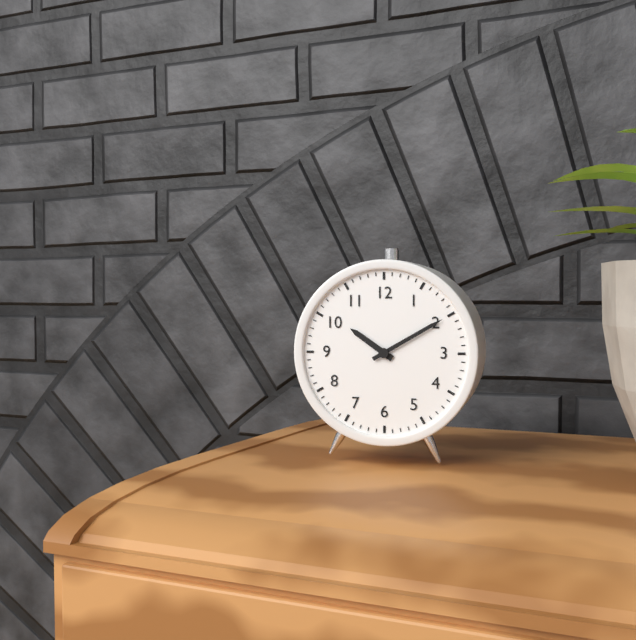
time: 10:10
